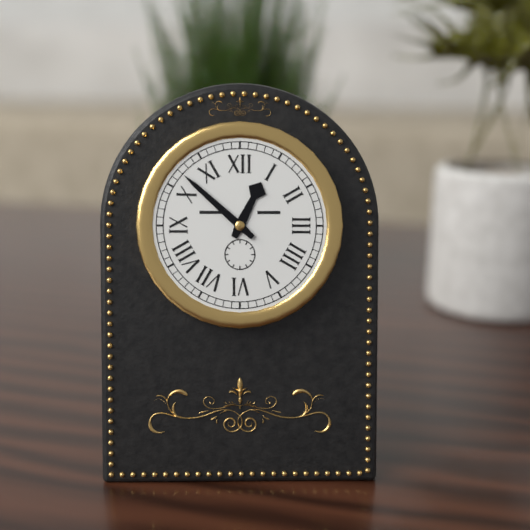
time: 12:52
